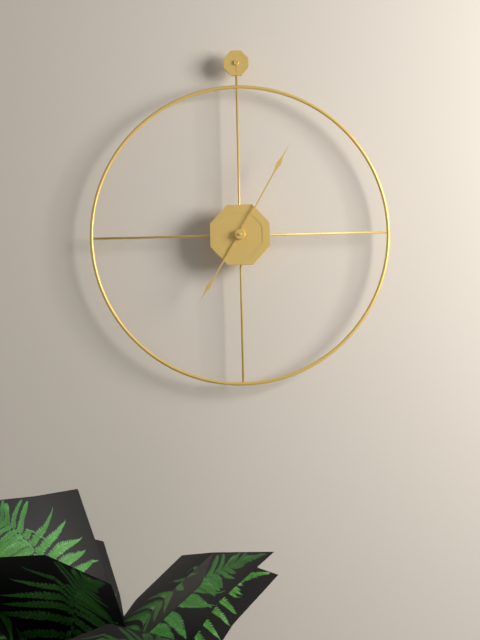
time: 7:05
